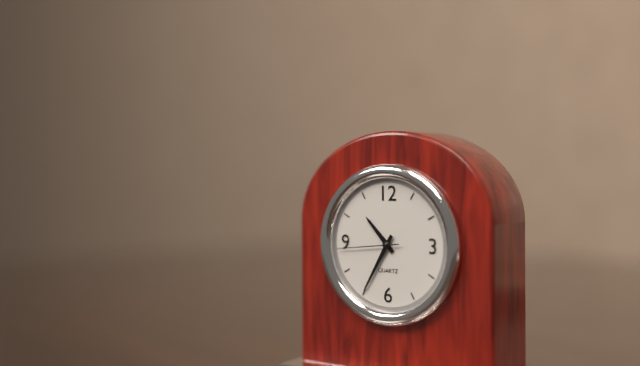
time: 10:35:44
